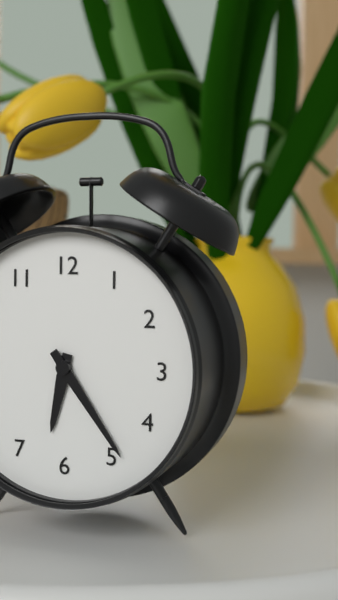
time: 6:24
